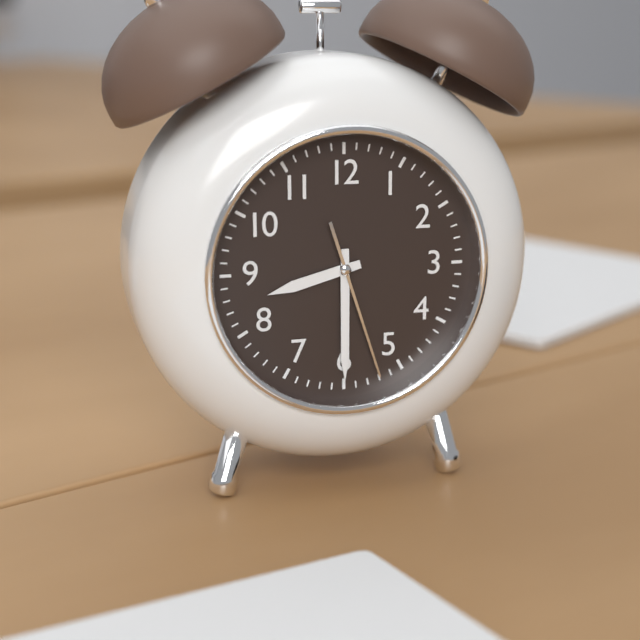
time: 8:30:27
